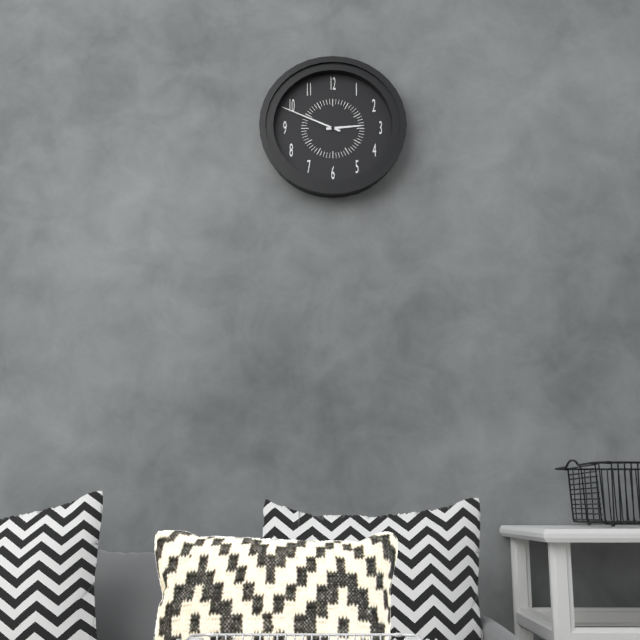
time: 2:49
